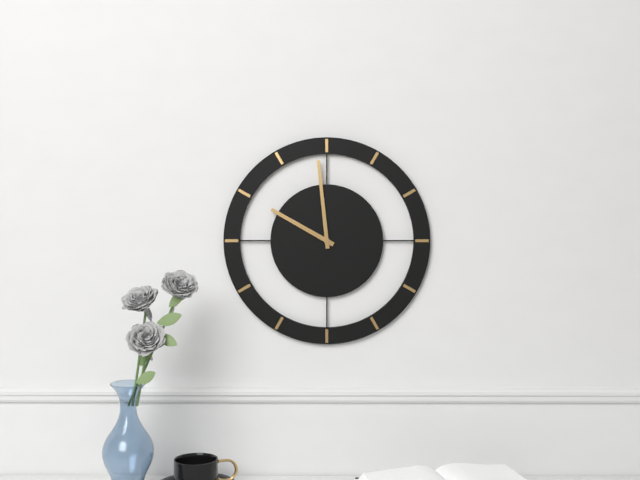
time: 9:59
